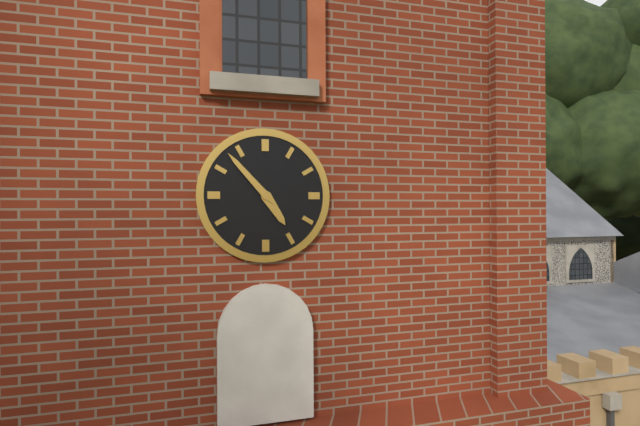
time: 4:53
